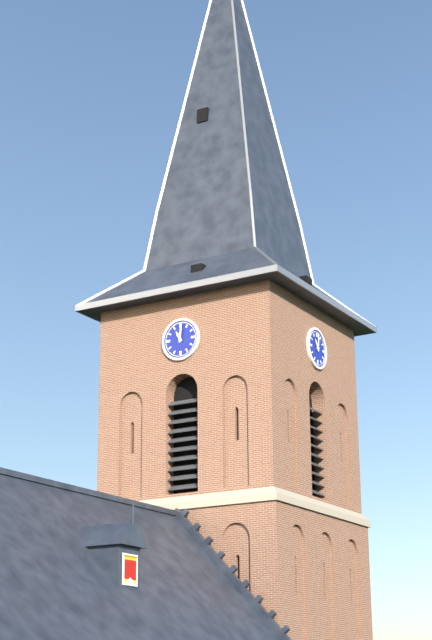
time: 11:01
